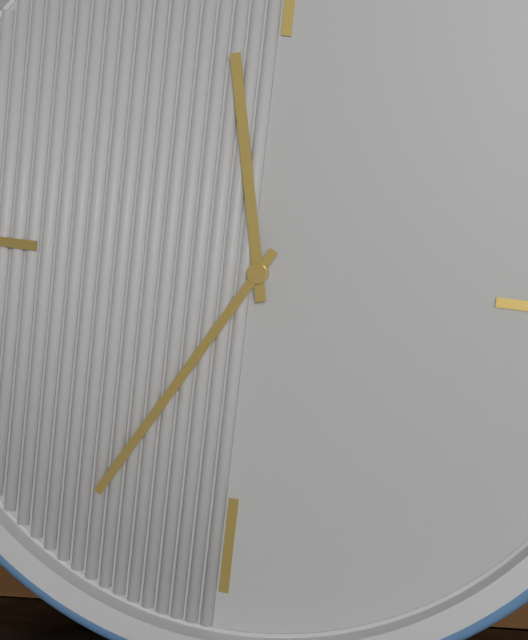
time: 11:35
